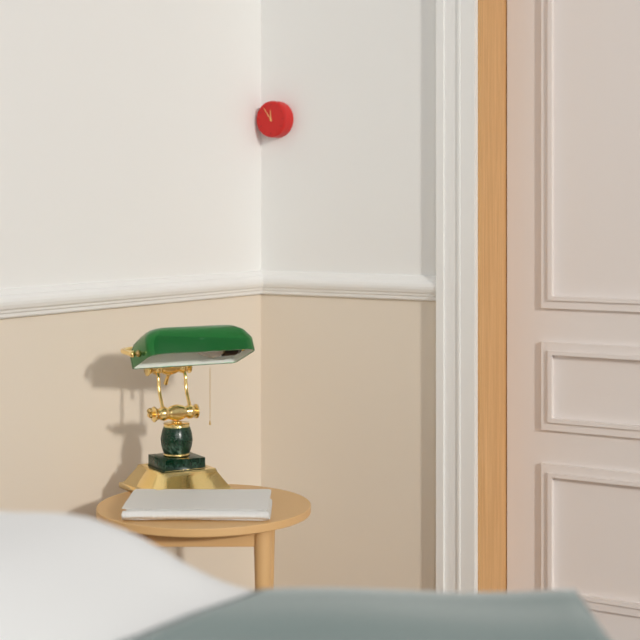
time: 11:54
